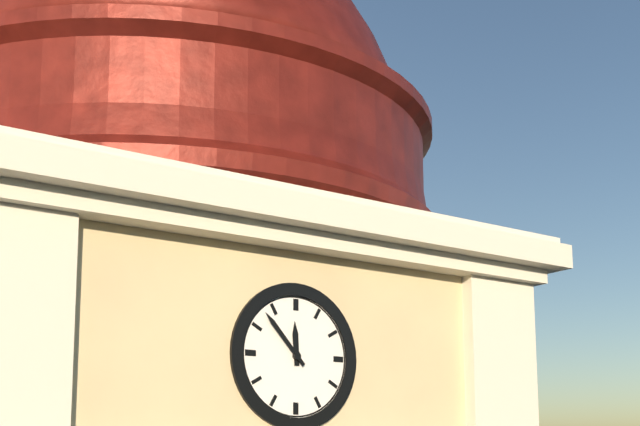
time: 11:53
